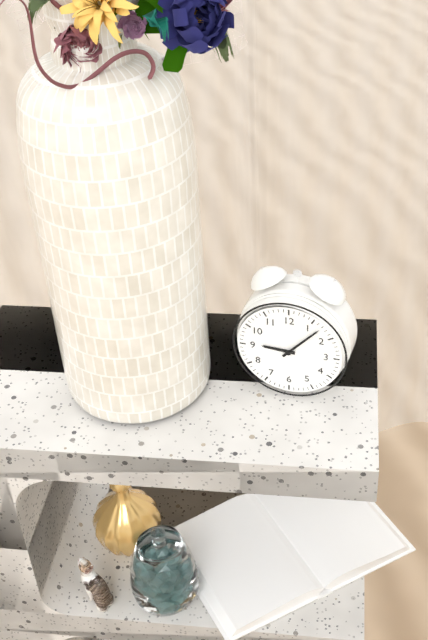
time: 9:07
